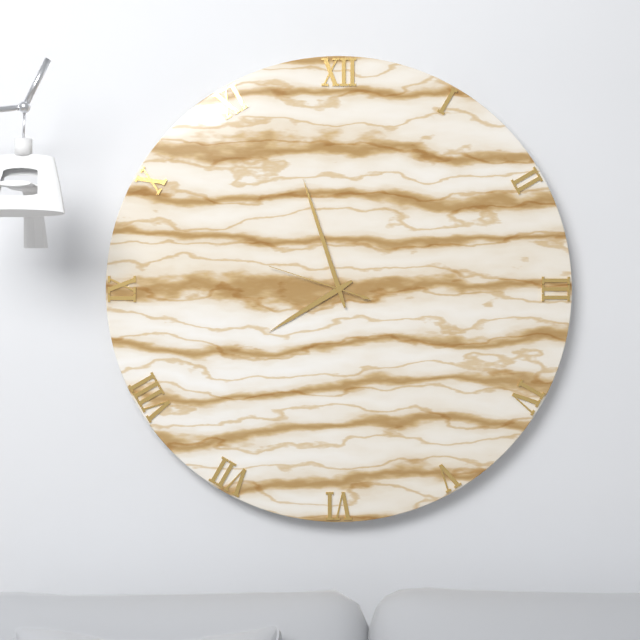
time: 7:57:48
